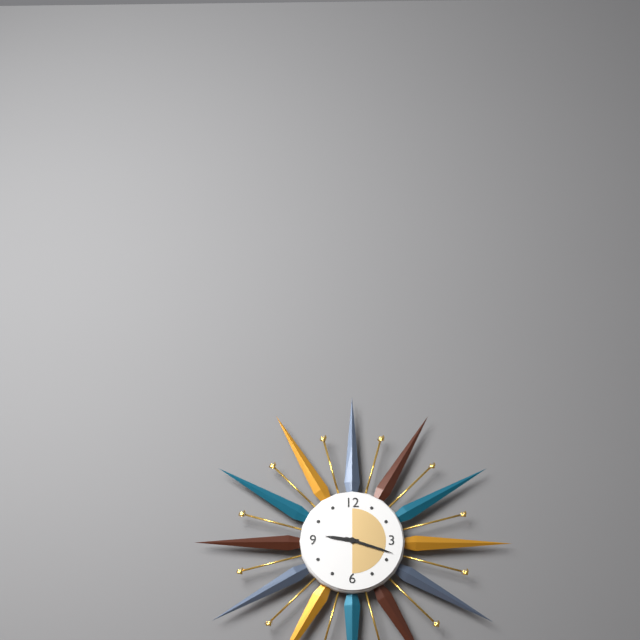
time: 9:18
